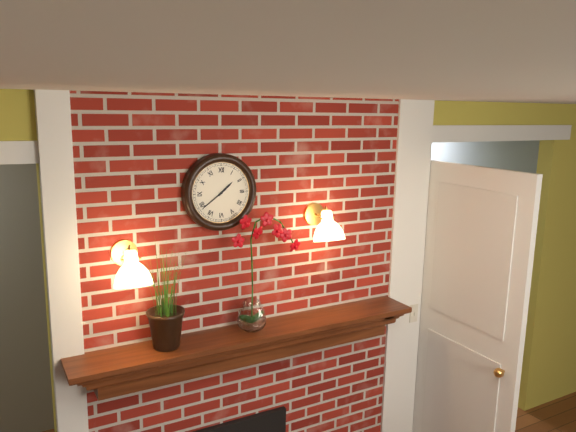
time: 1:39
